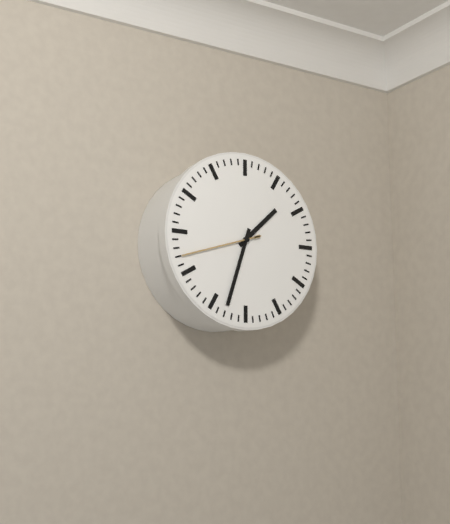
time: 1:33:42
